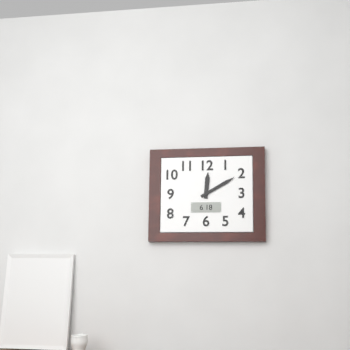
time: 12:10
